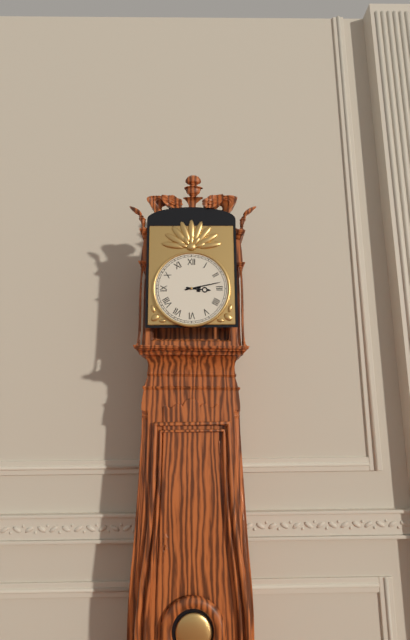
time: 3:13
